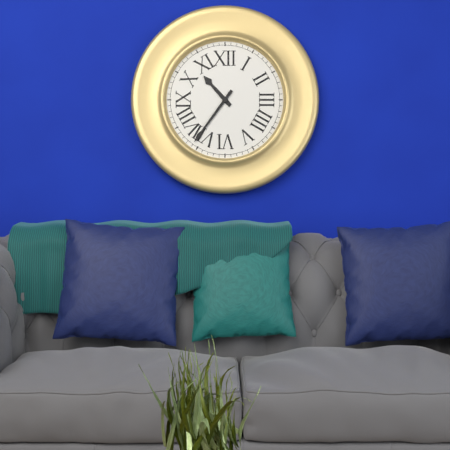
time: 10:36
